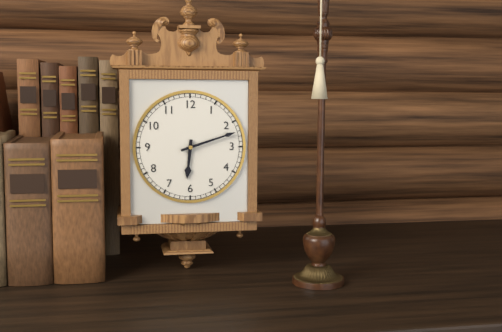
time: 6:12
